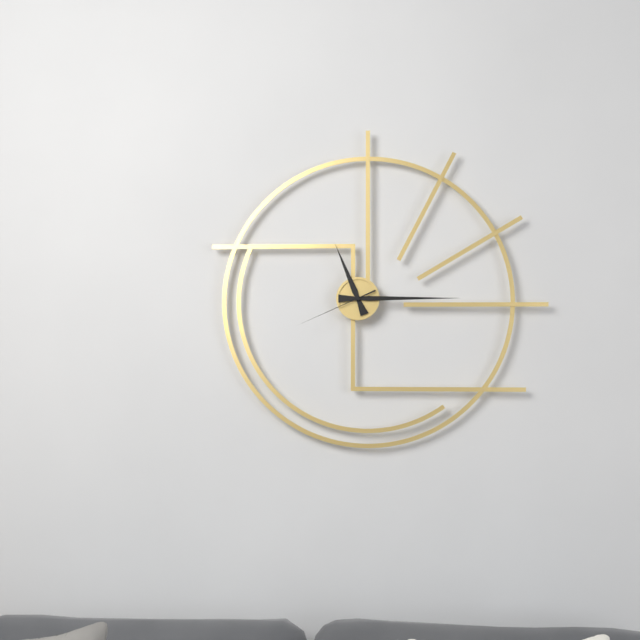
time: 11:15:41
